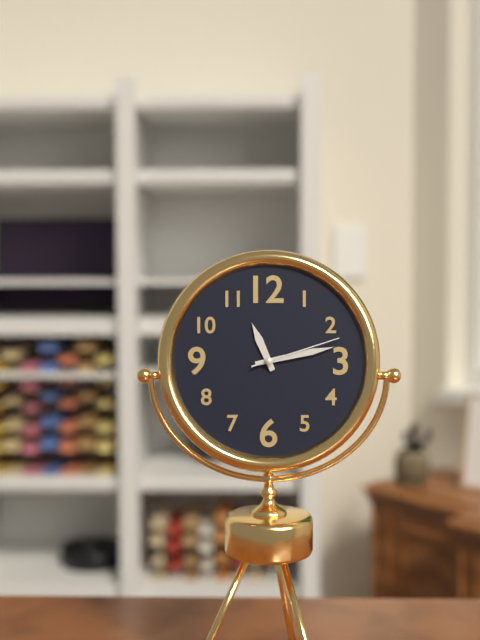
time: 11:13:12
